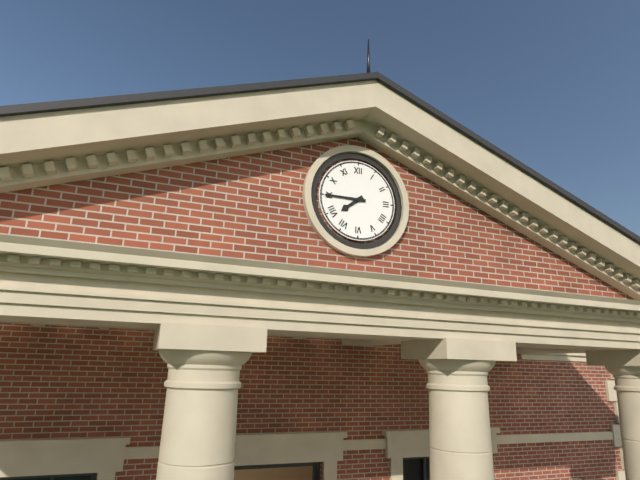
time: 7:45
